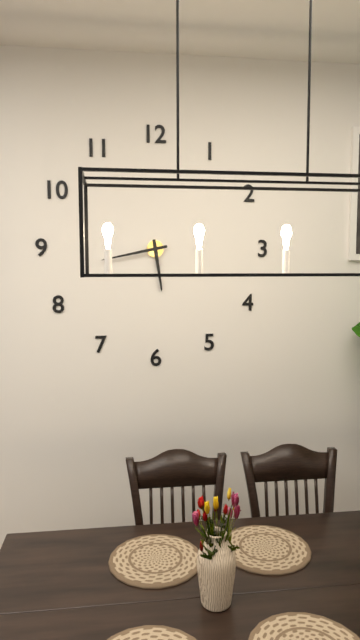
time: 5:43
